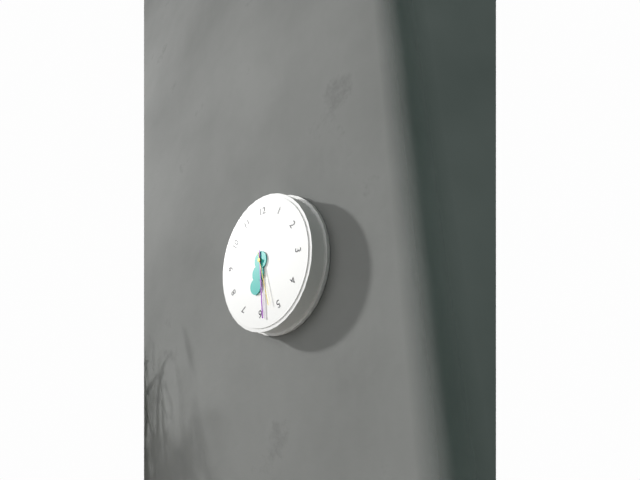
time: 6:29:27
